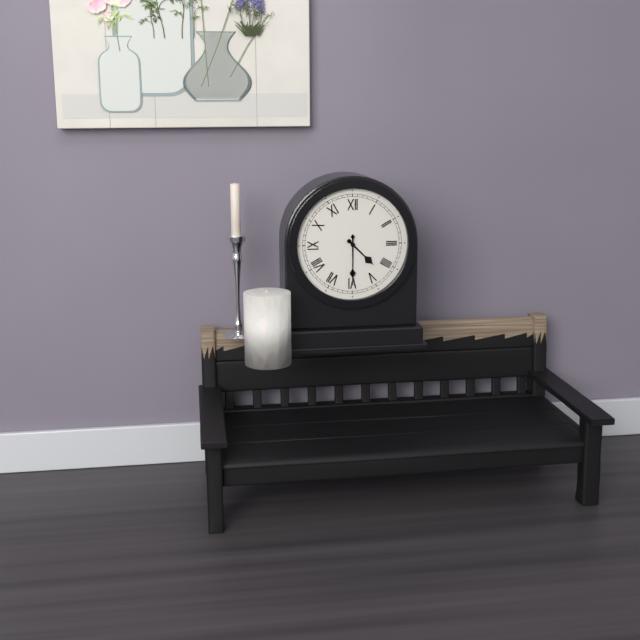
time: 4:30
